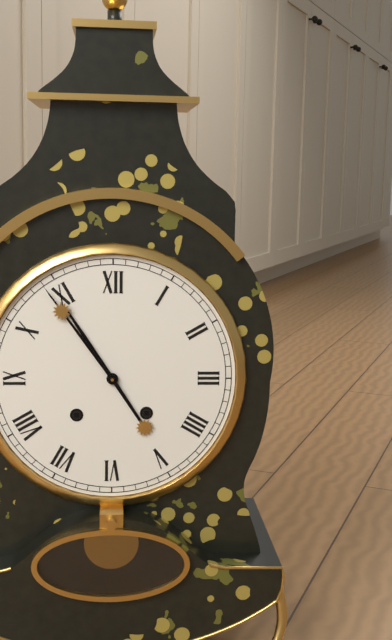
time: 10:54
